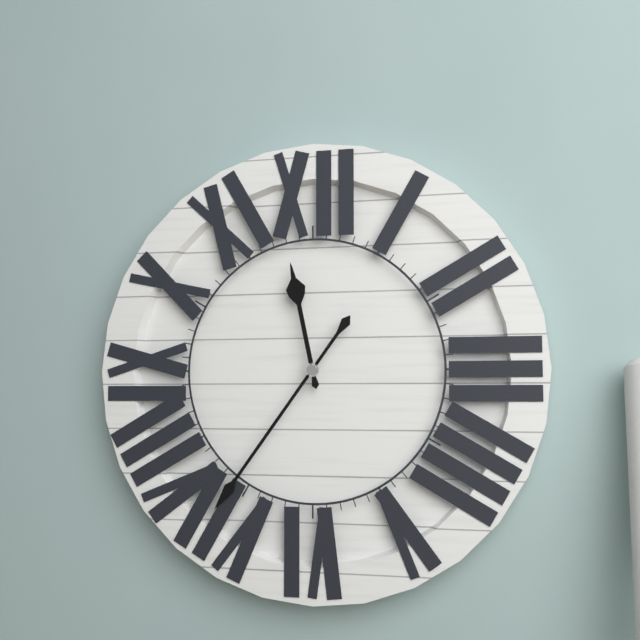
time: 11:36
